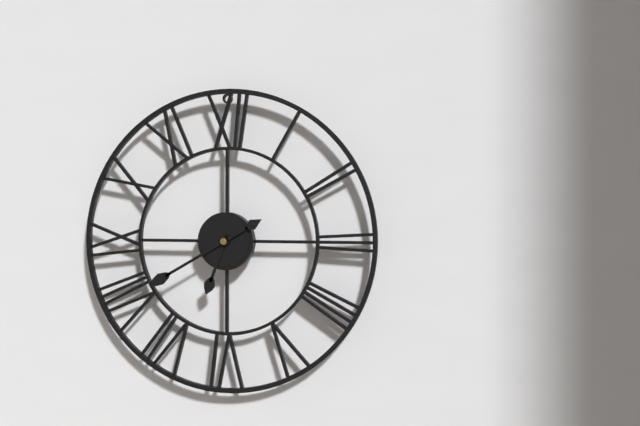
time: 6:40
